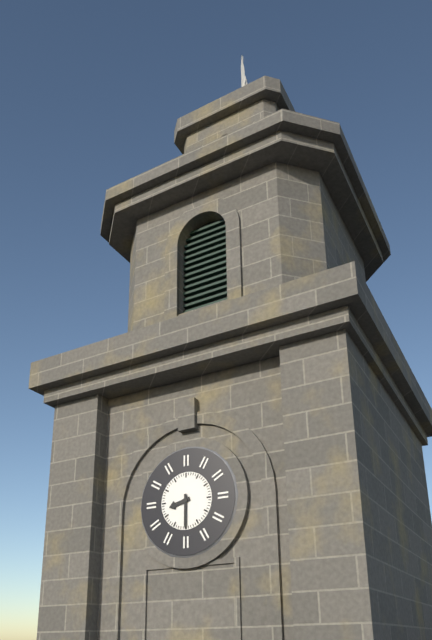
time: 8:30
